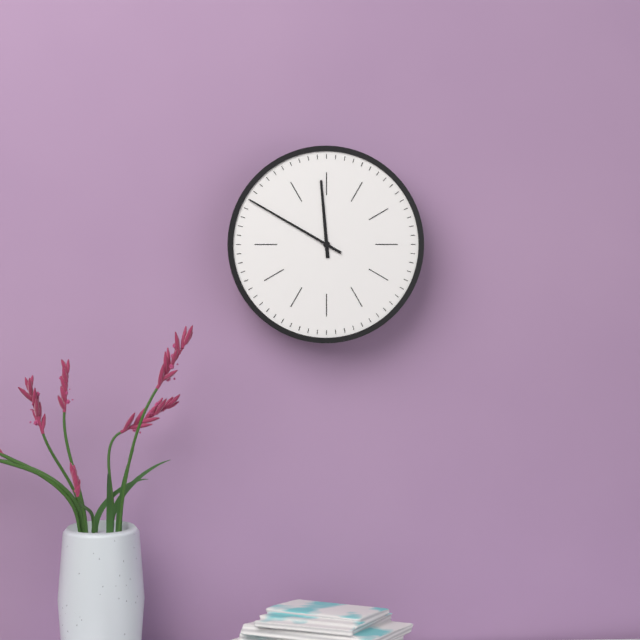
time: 11:50
